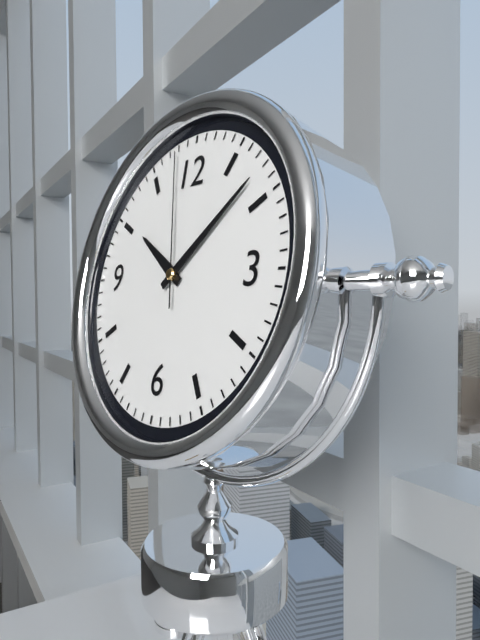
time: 10:08:58
